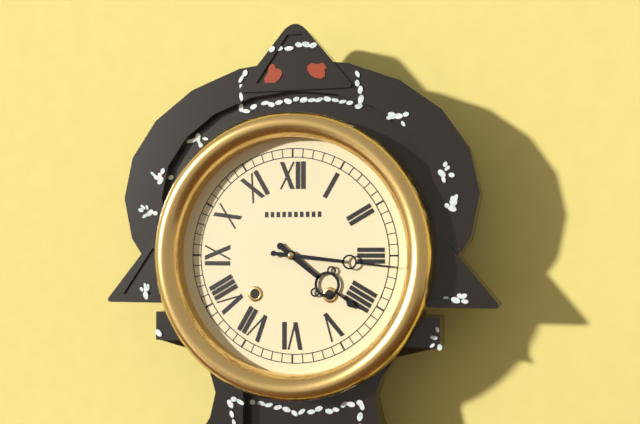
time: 4:16
